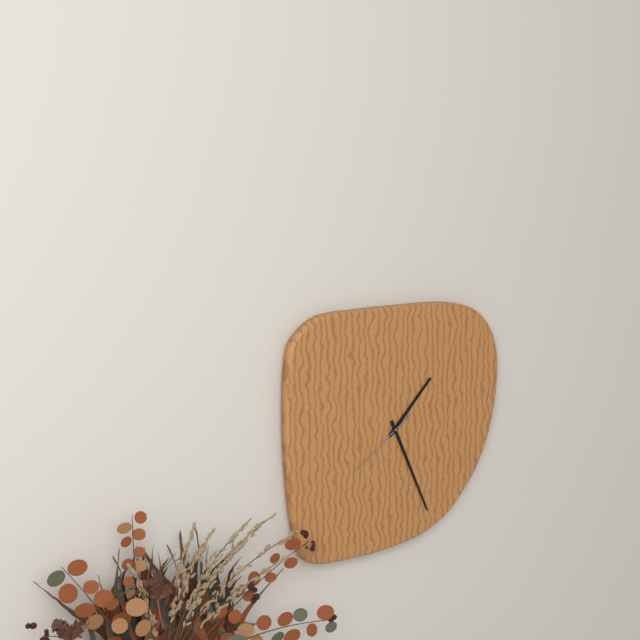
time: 1:26:39
